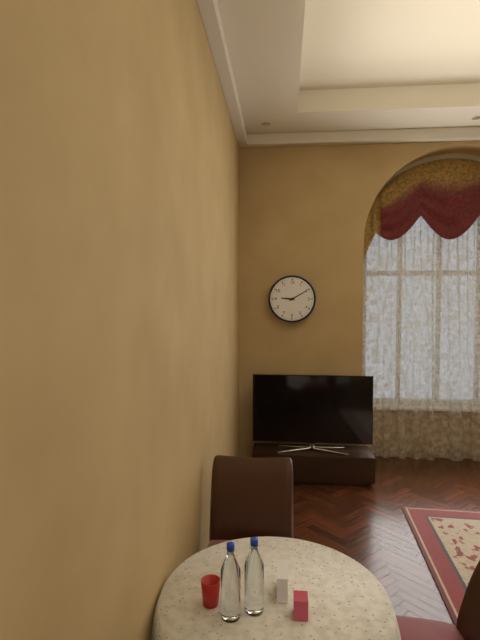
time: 9:10
